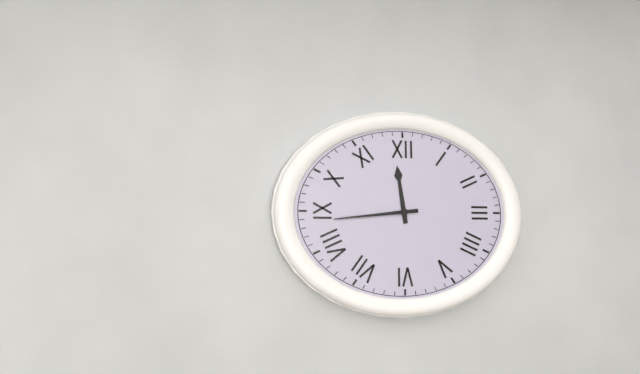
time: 11:44
